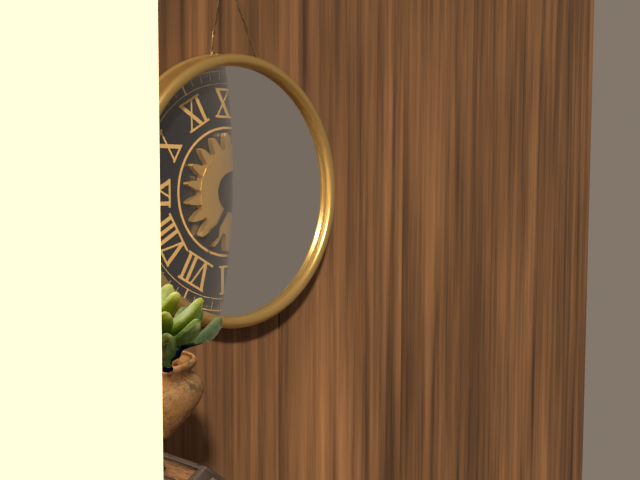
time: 7:10
